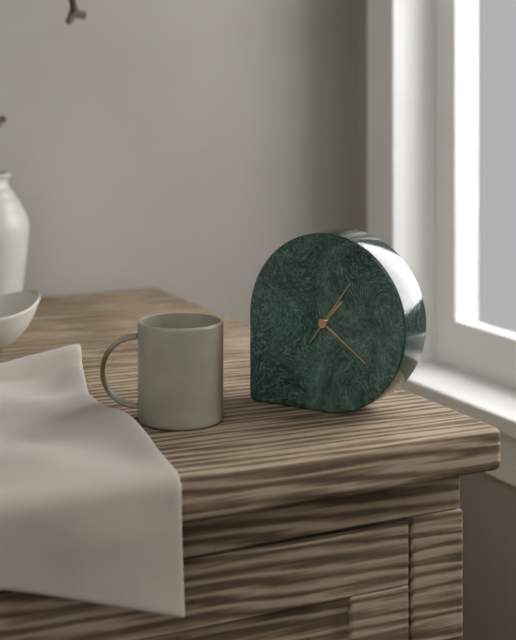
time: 1:21:06
